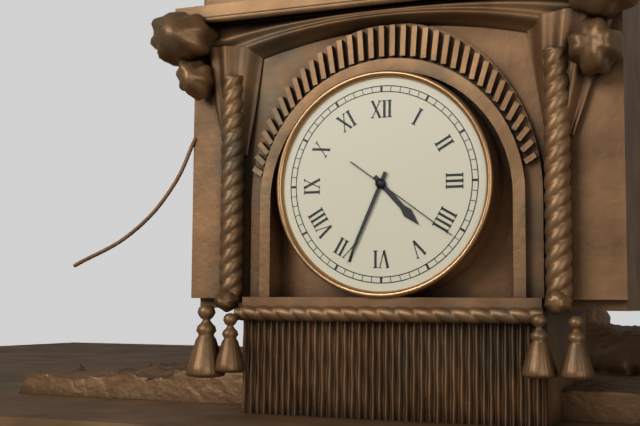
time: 4:34:21
